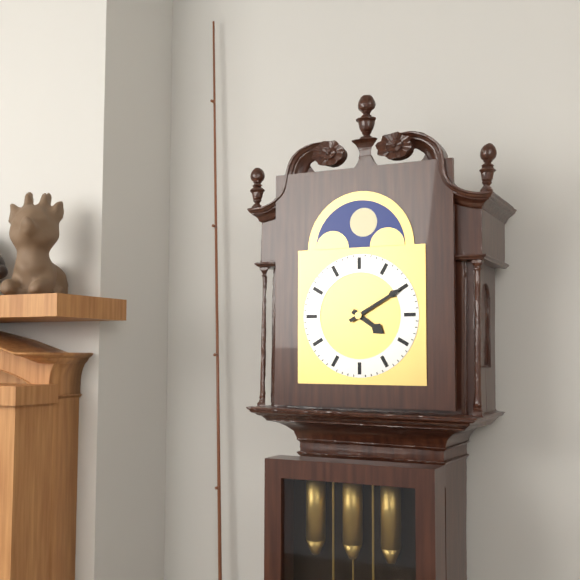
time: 4:10
